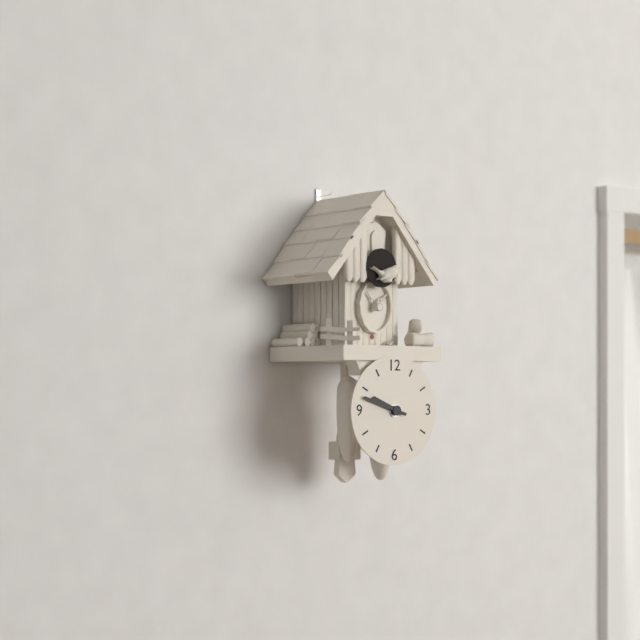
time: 9:48
